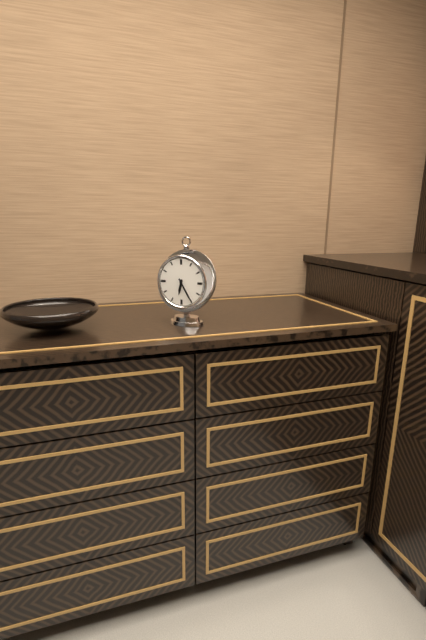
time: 6:25
